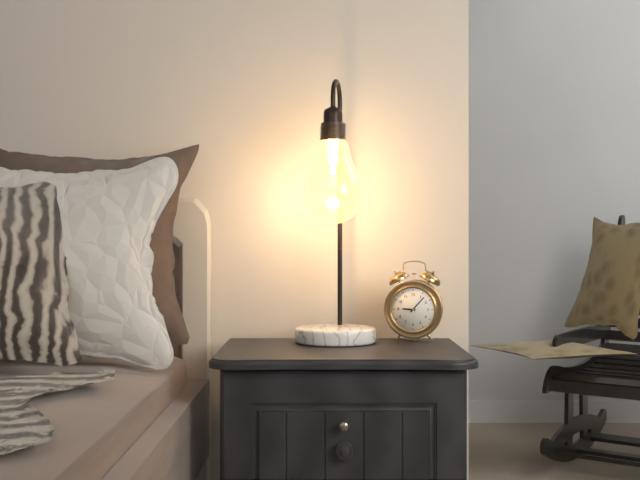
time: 9:07
